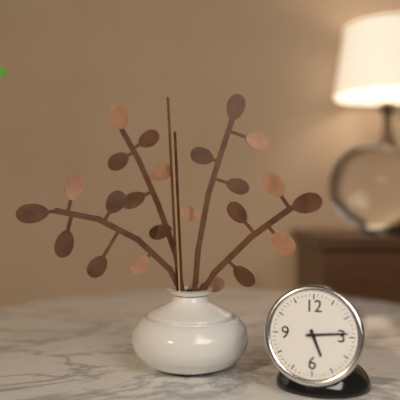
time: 5:14
